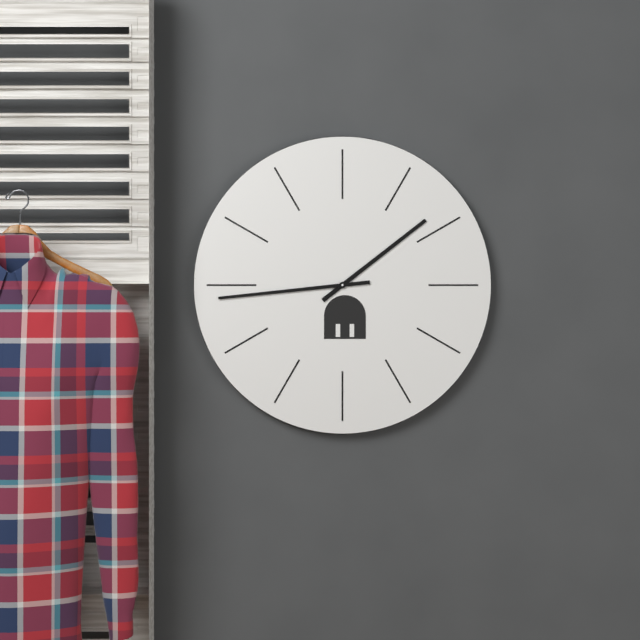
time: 1:44
